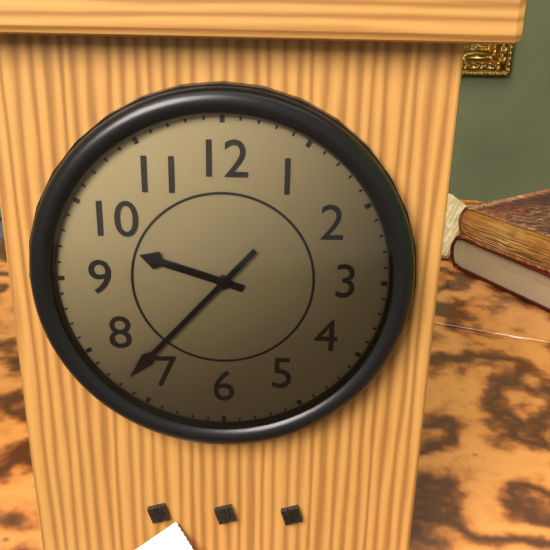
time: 9:37
